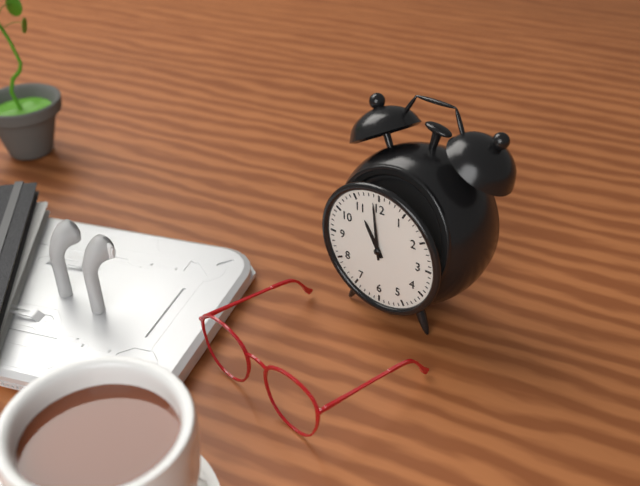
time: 10:59
